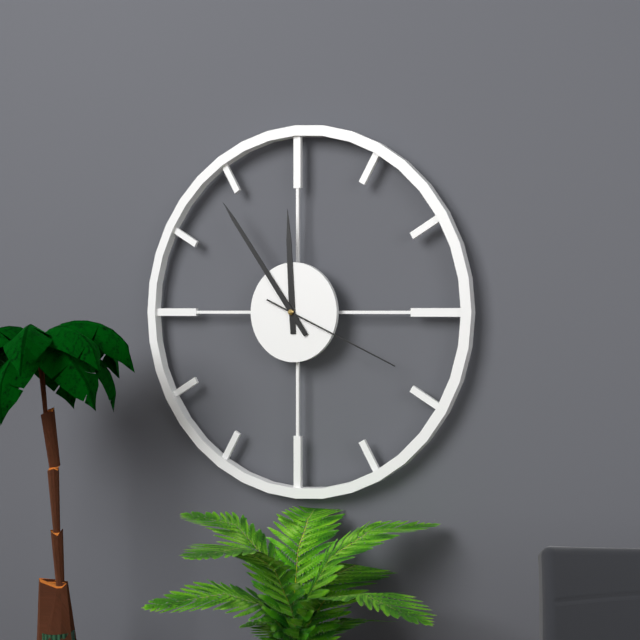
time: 11:54:19
